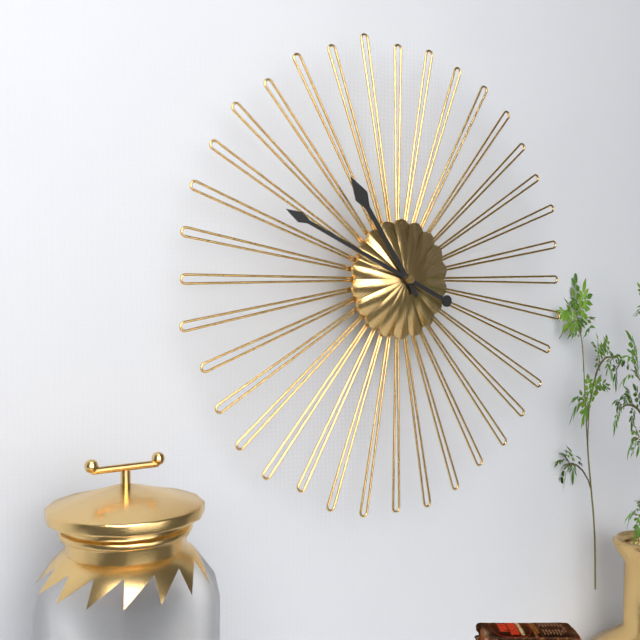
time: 10:49
